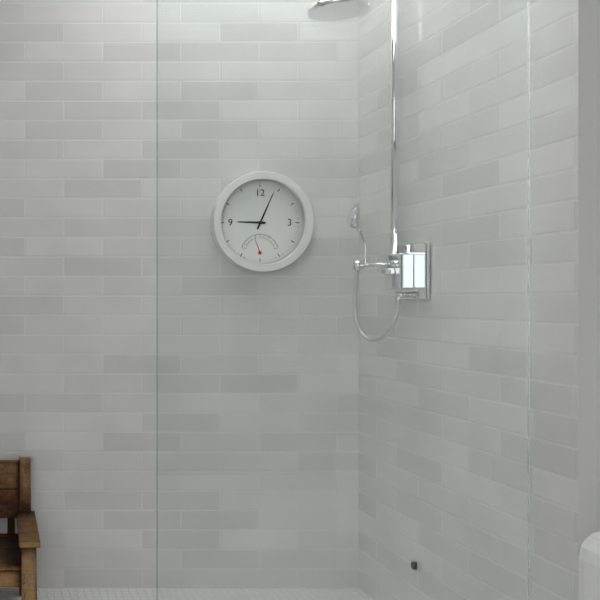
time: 9:04
